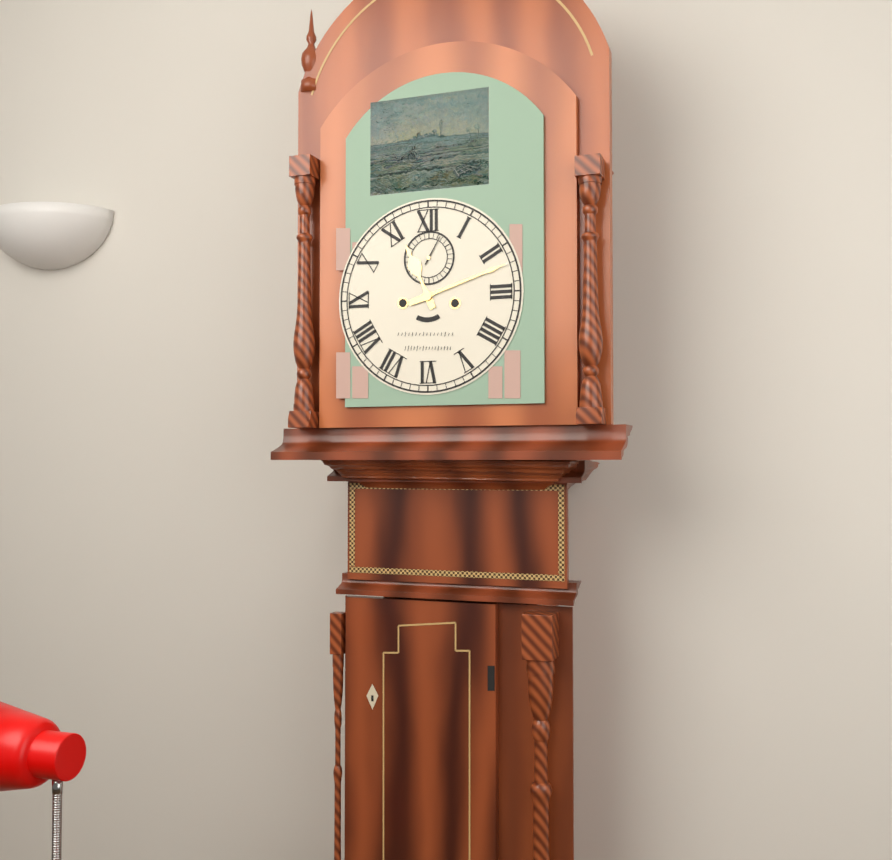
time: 11:12
